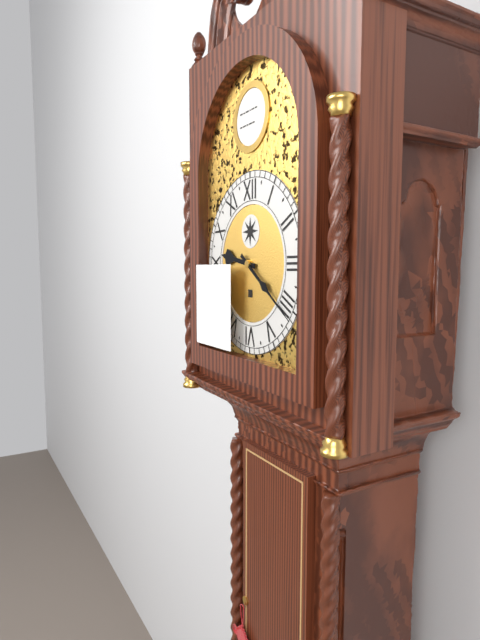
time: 9:21
